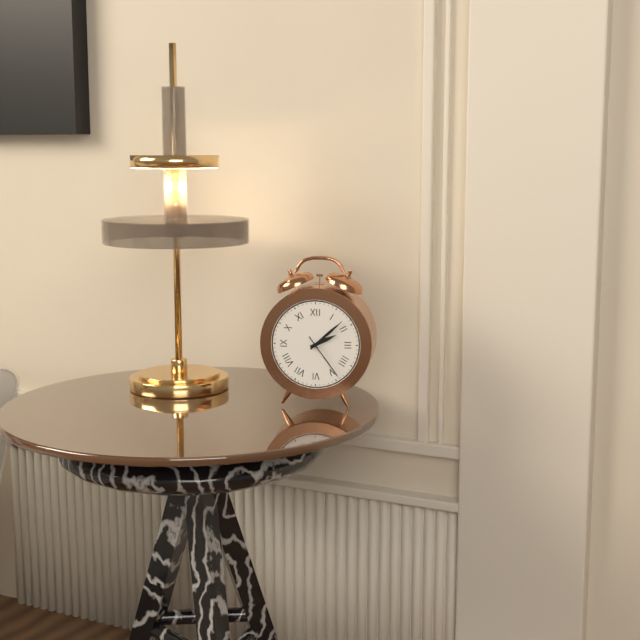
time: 2:08
